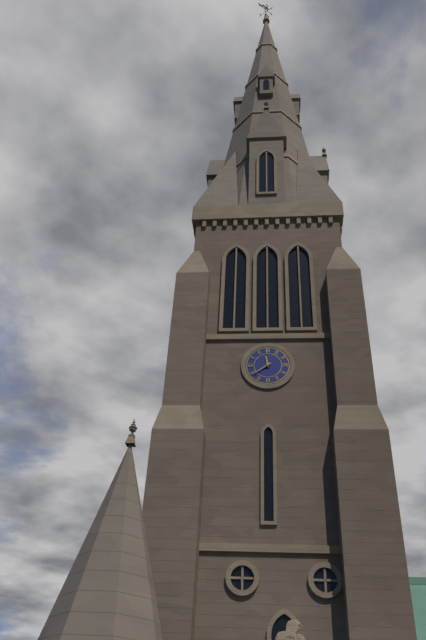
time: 11:39
